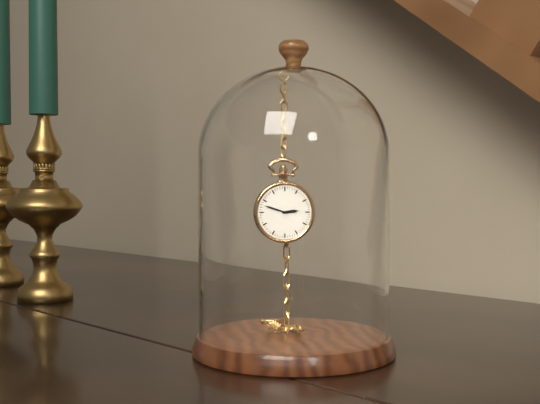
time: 2:48
